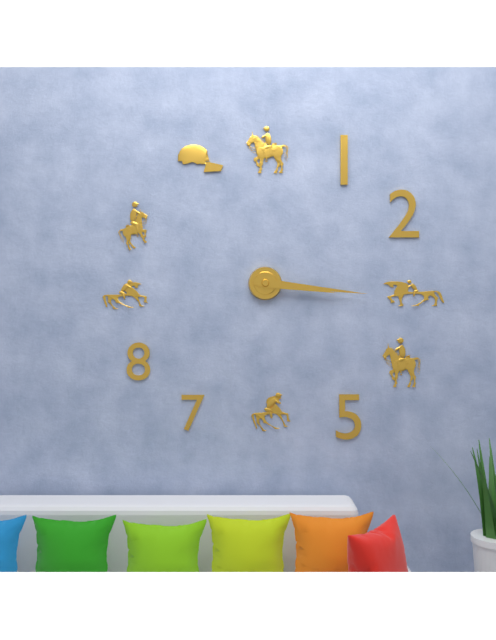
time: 3:16
